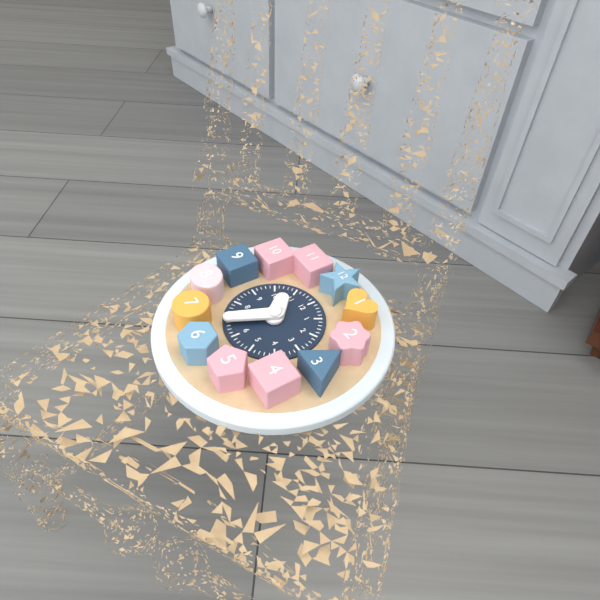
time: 10:34
